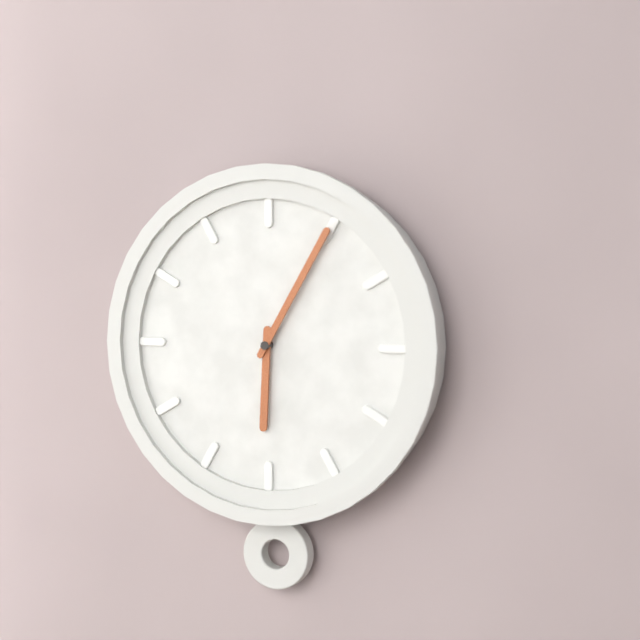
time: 6:05
